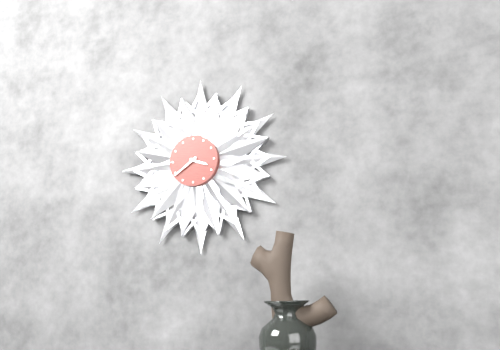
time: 3:39
